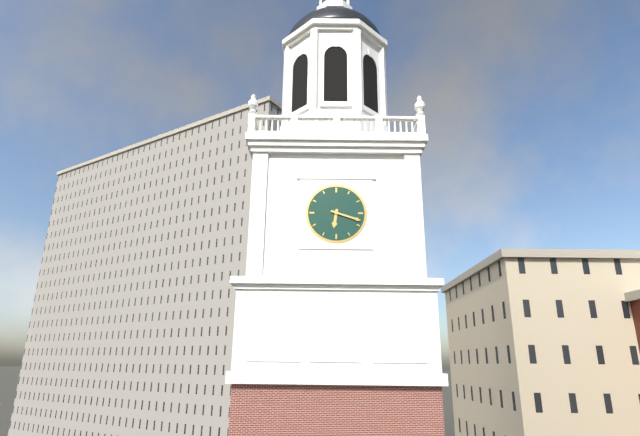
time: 6:18
